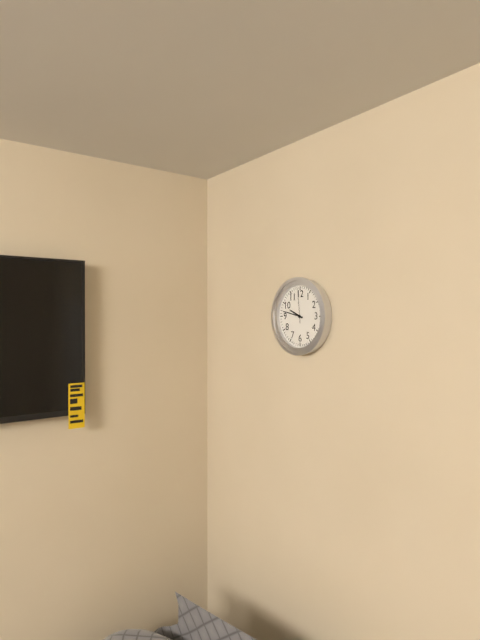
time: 9:47
